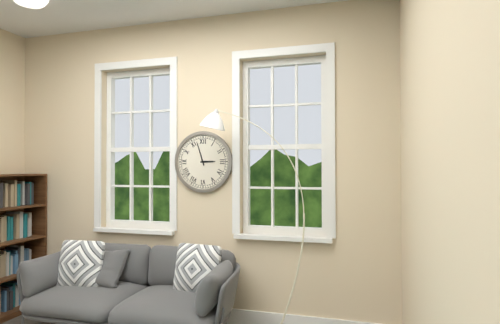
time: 2:57
